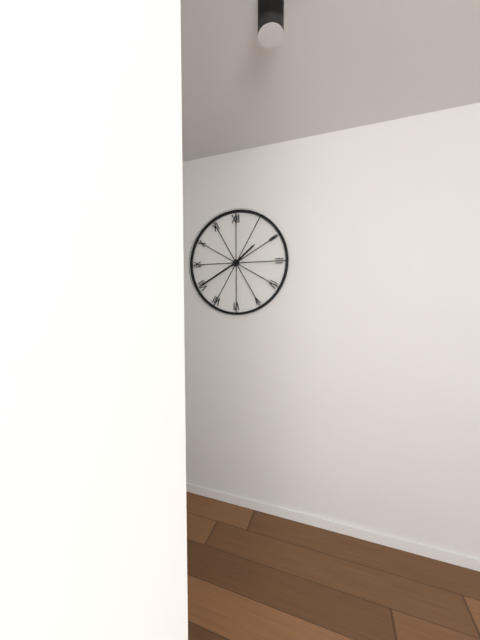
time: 1:40
